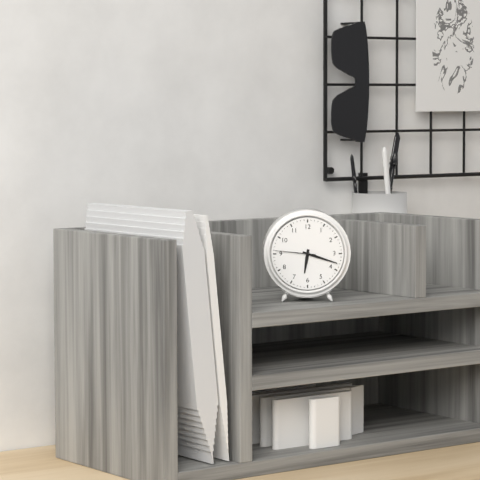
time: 6:18
